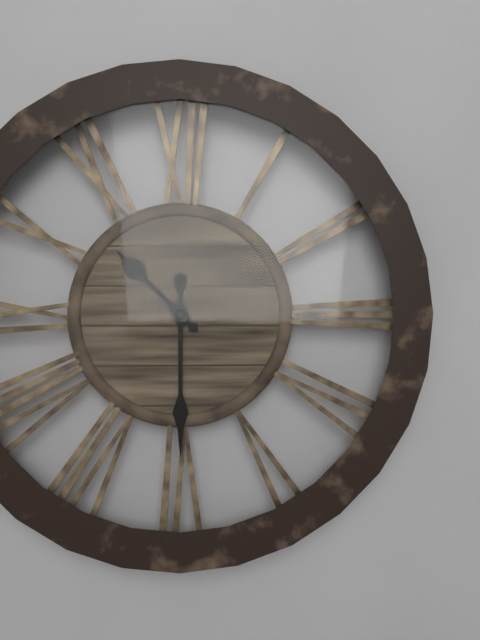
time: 10:30
